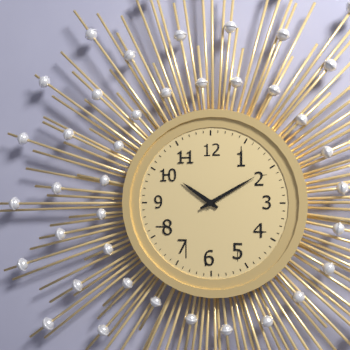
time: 10:10
